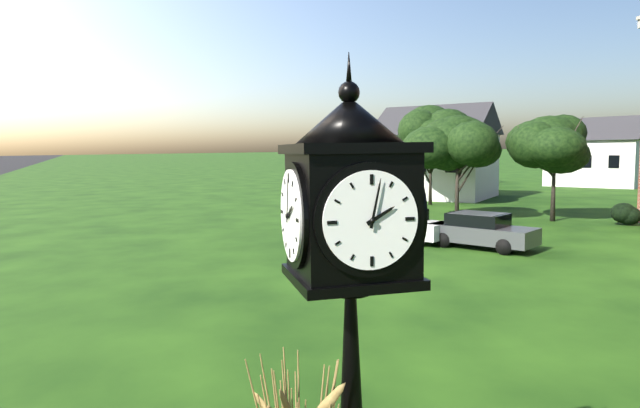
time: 2:02
